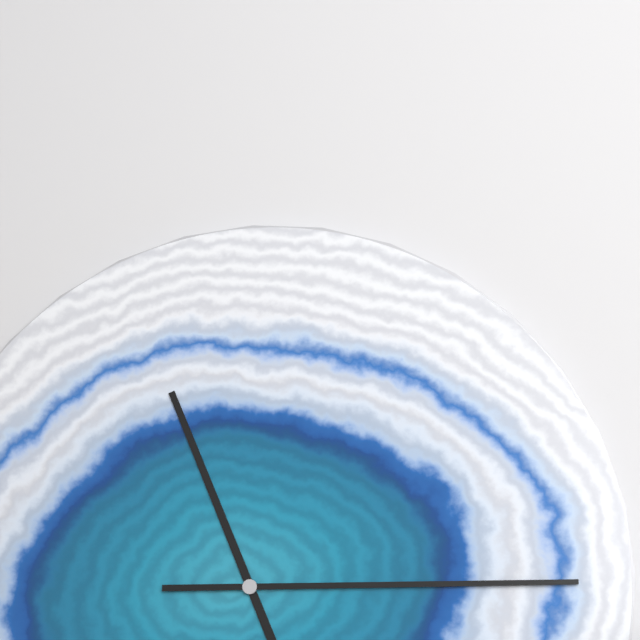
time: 11:15
